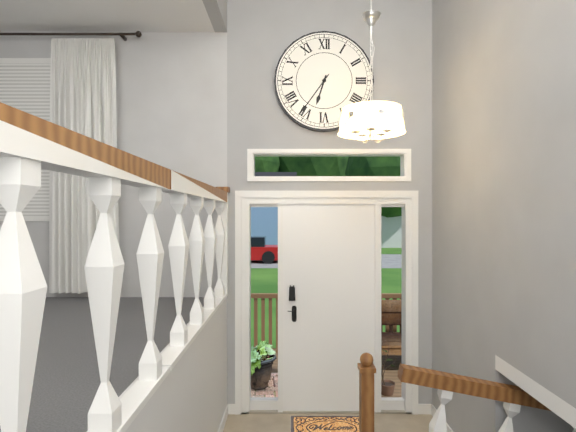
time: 6:36
